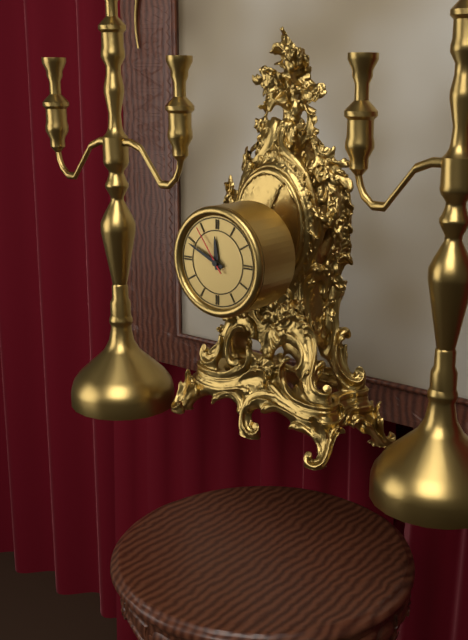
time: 11:49:54
